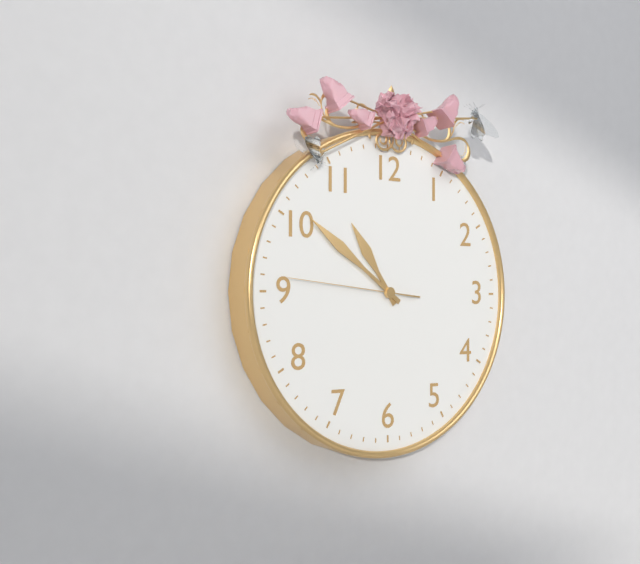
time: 10:51:46
